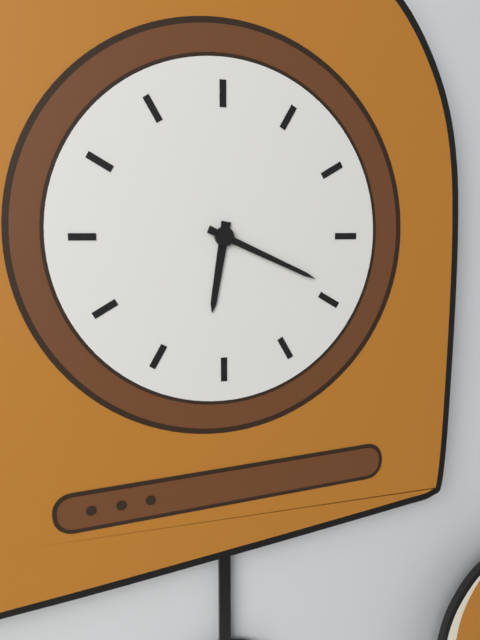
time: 6:19
